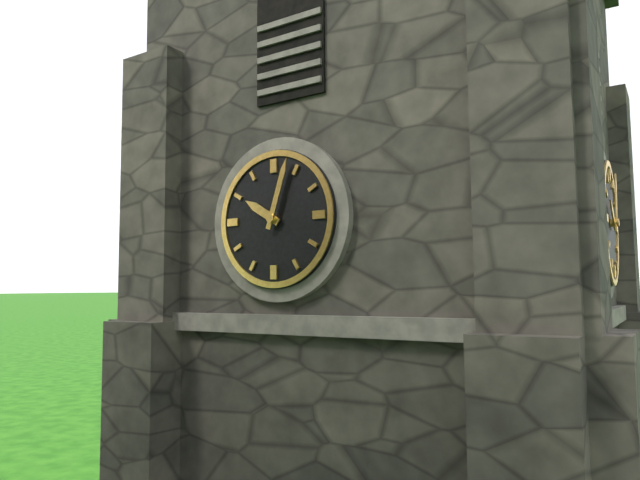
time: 10:03
